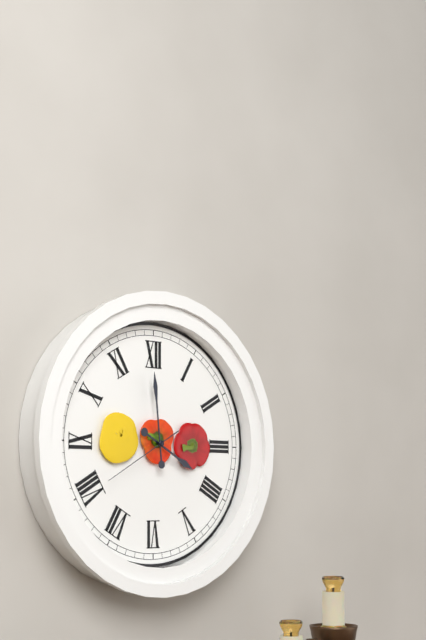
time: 3:59:40
